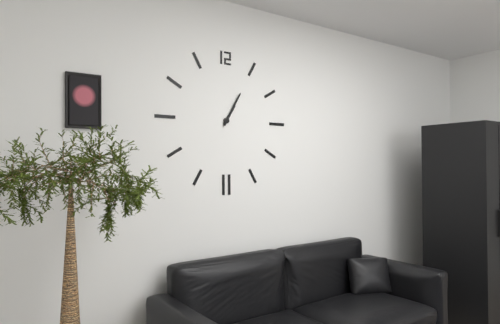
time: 1:05
